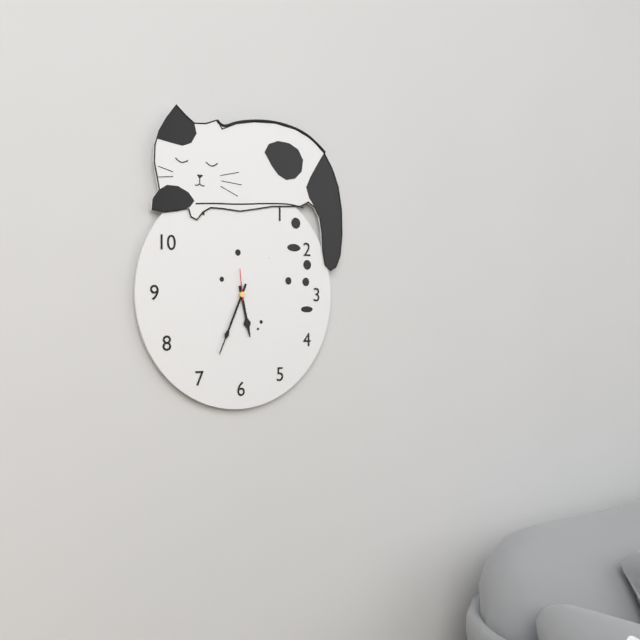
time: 5:34
